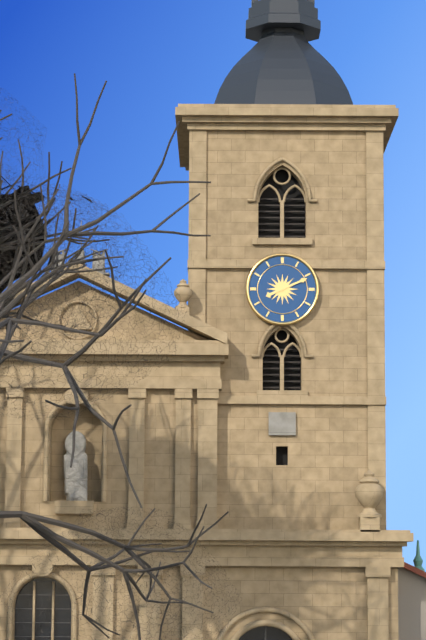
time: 8:11
